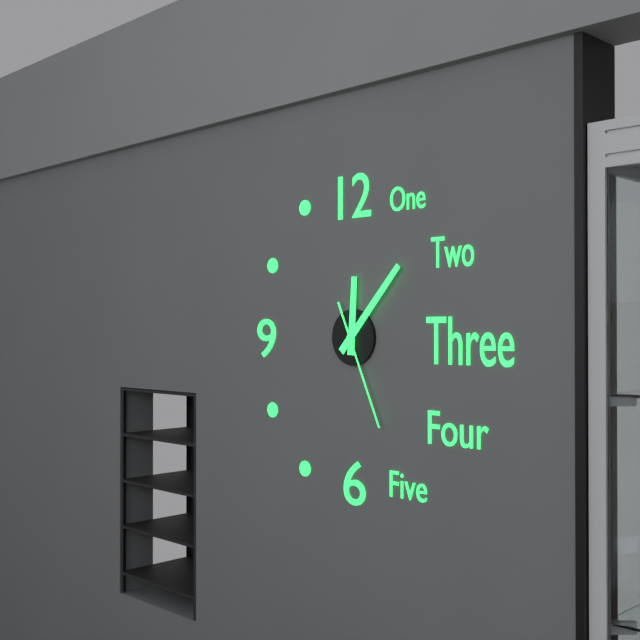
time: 12:07:26
